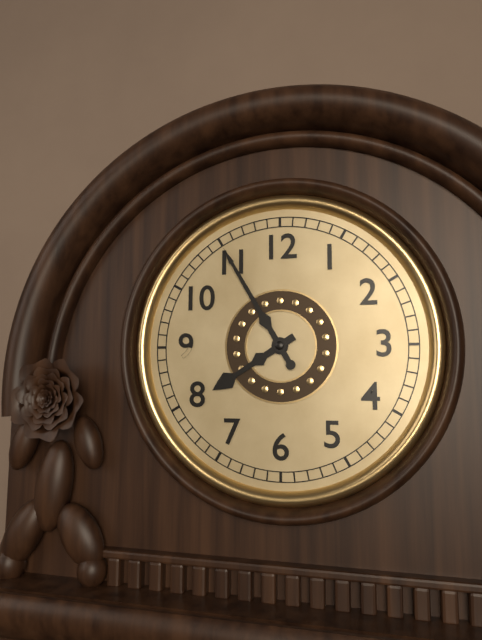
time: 7:55
